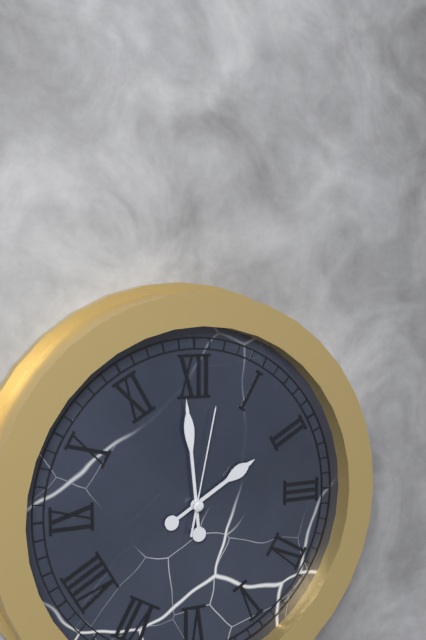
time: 1:59:02
